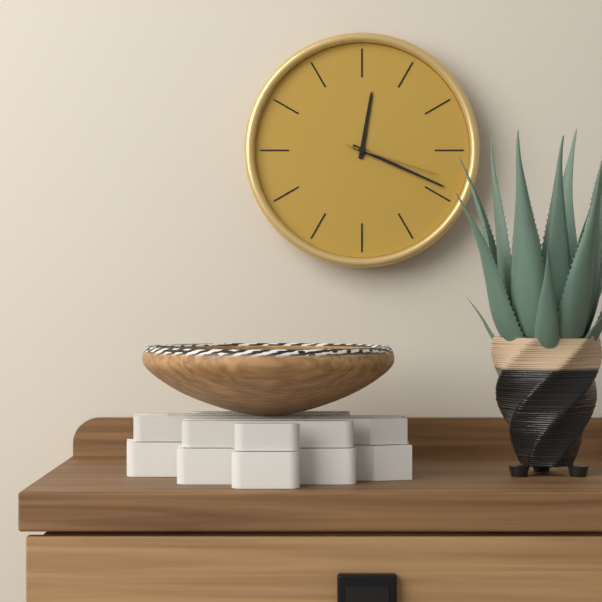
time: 12:19:18
